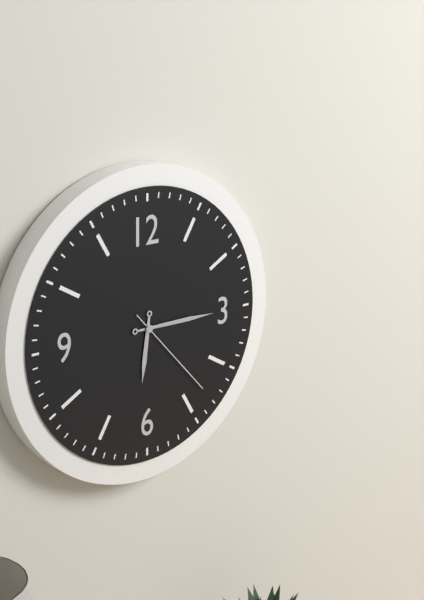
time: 6:15:23
